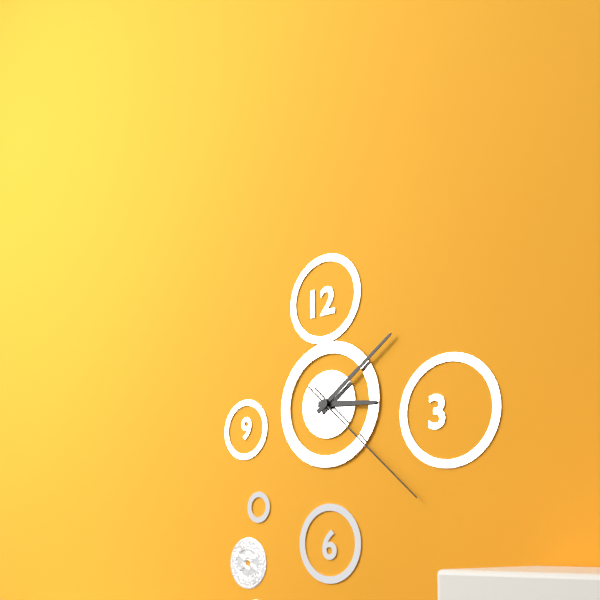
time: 3:09:22
